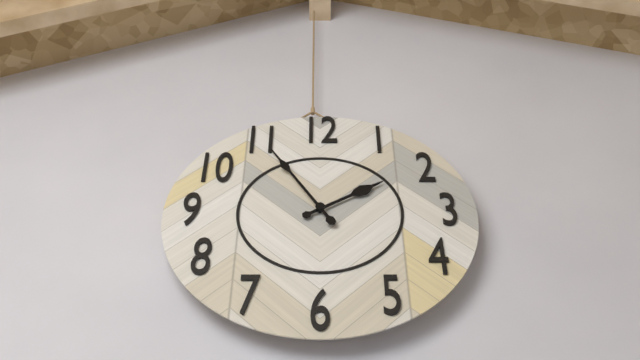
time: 1:55
